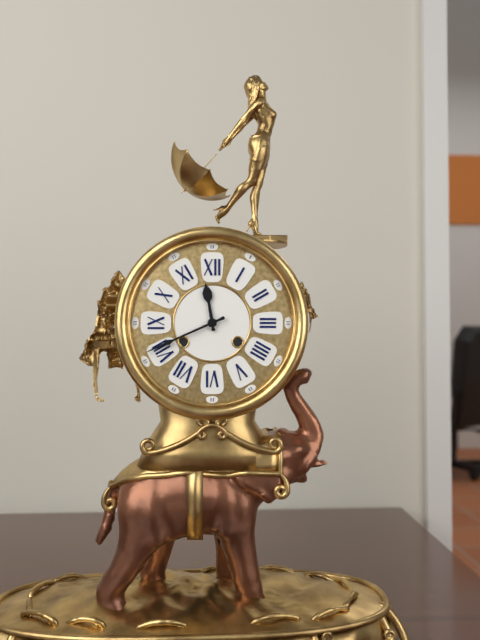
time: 11:41
